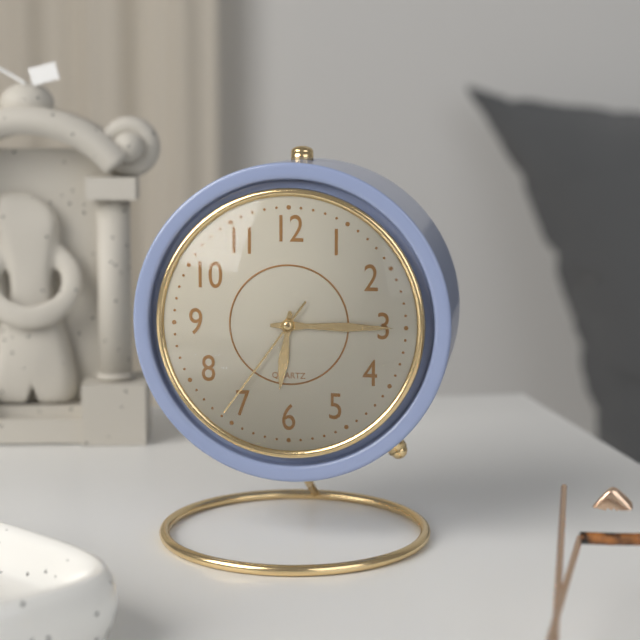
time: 6:15:36
